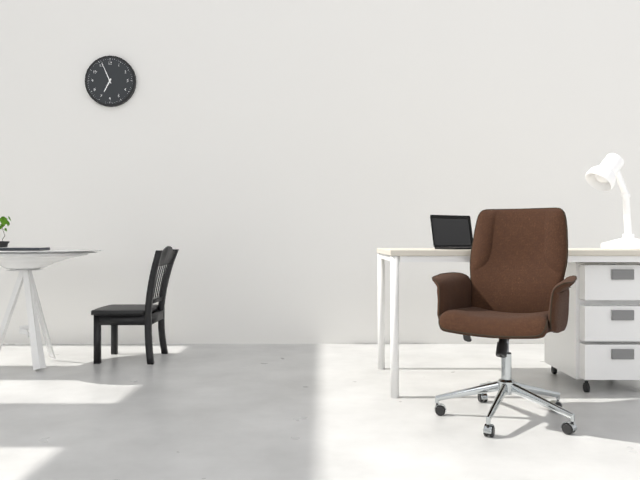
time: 6:56
